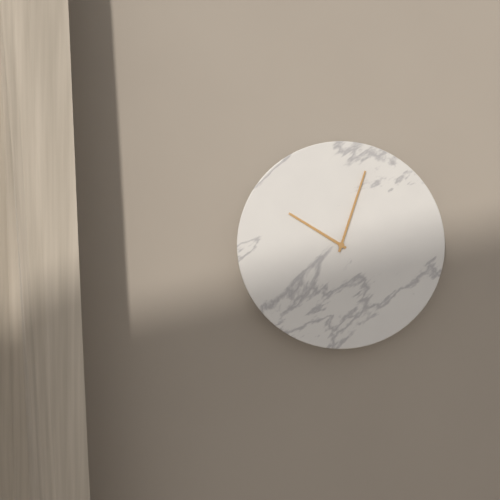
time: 10:03
